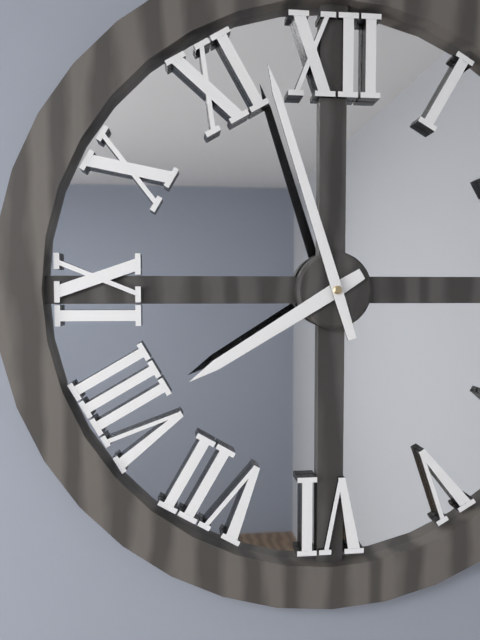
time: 7:57
